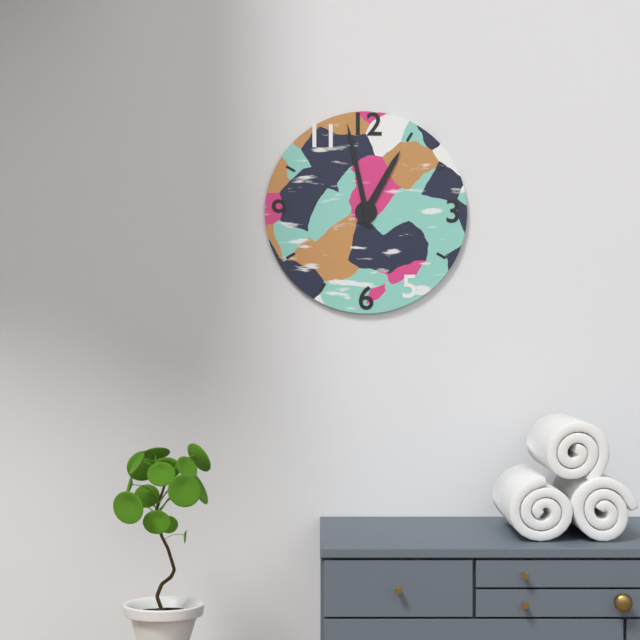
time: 12:58
